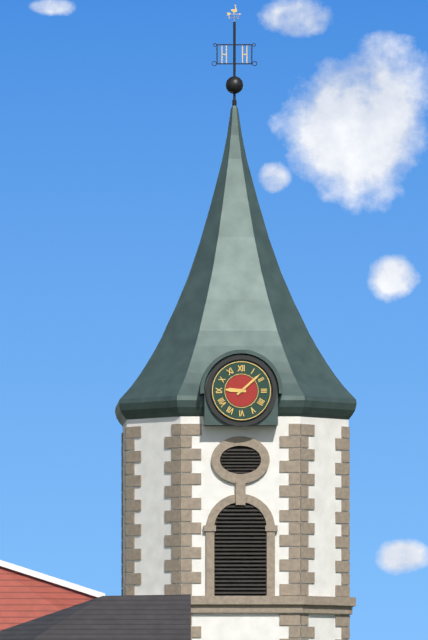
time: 9:08
